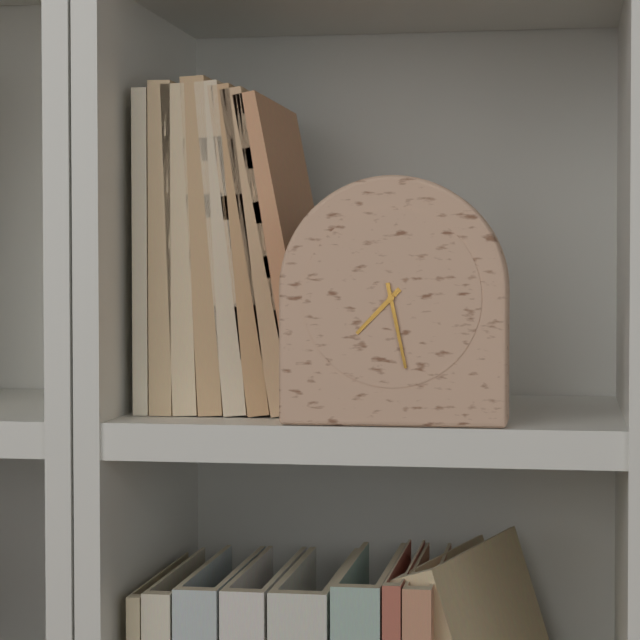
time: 7:28
